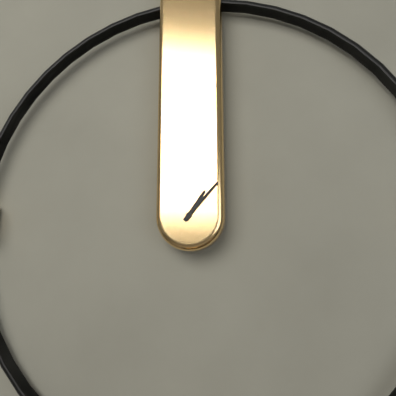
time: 1:07
